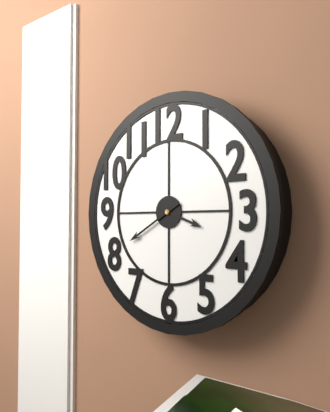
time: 3:40
